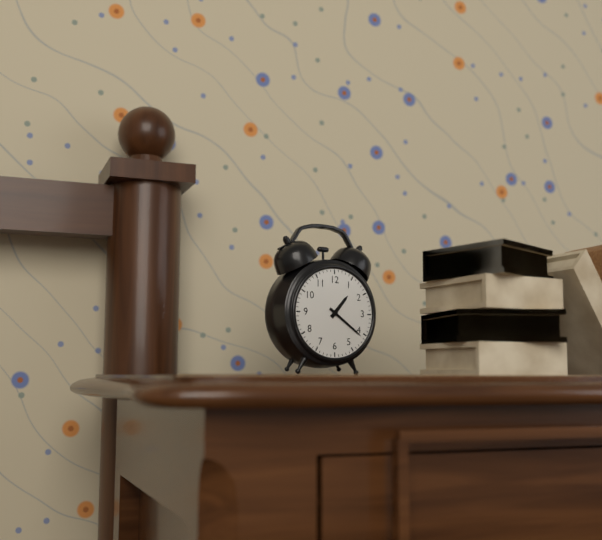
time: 1:21
